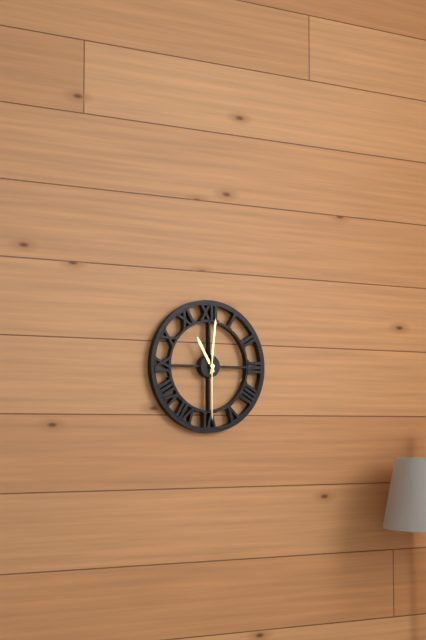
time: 11:01:30
